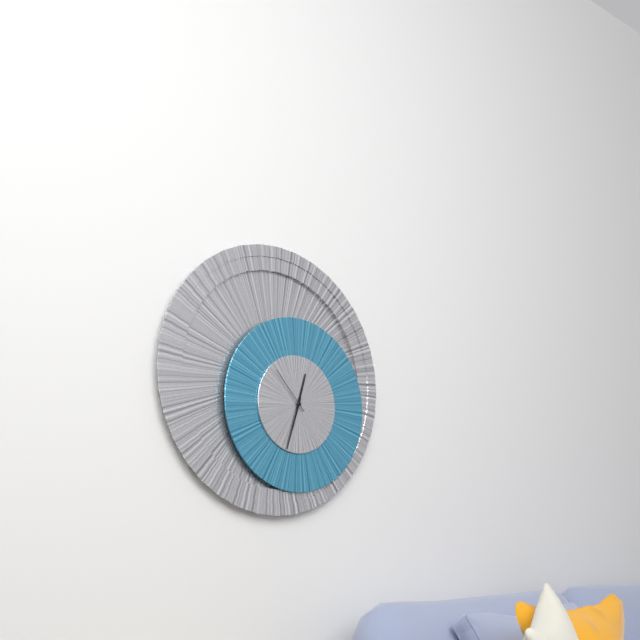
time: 12:33:53
